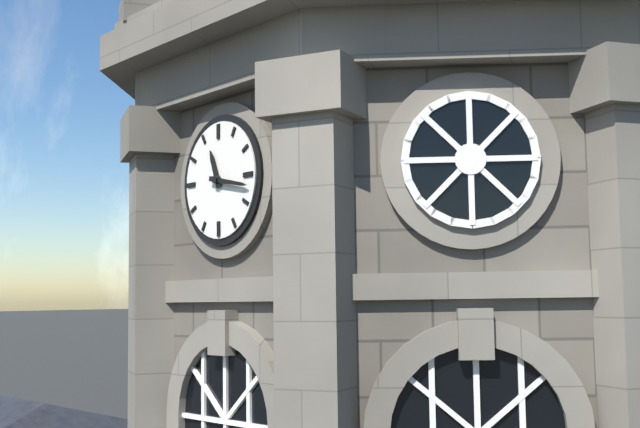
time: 11:17
